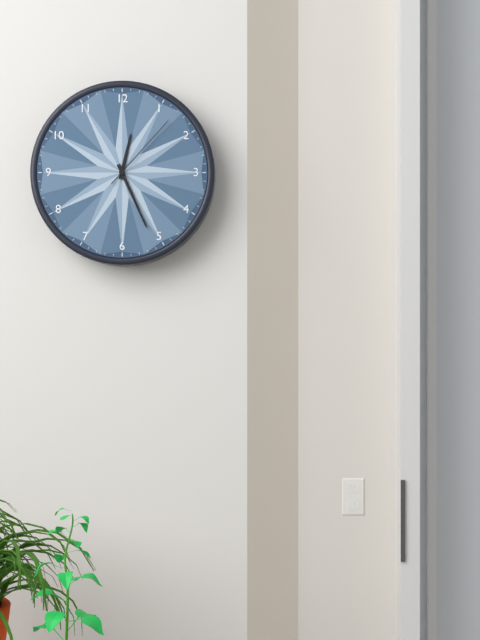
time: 12:26:07
